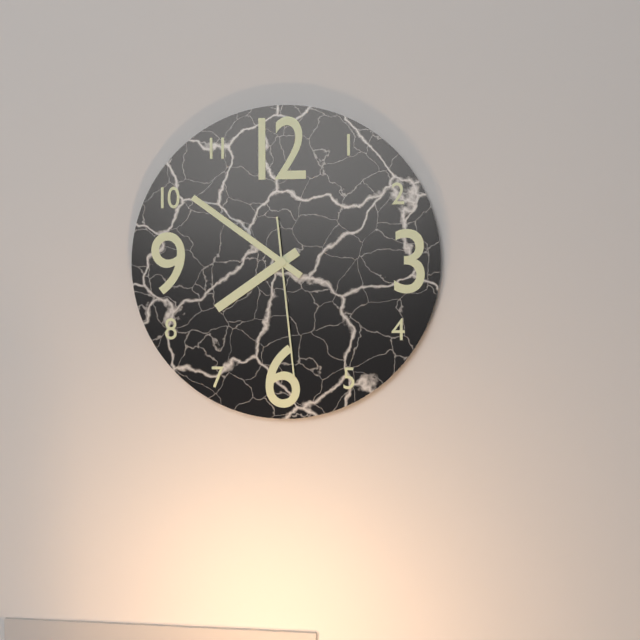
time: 7:51:29
